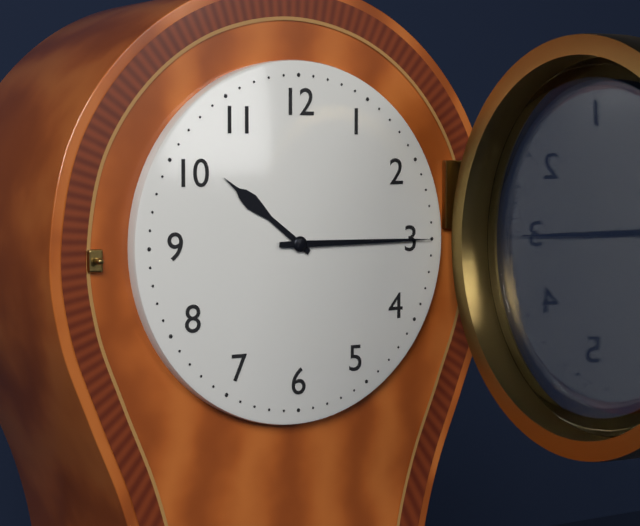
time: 10:15
